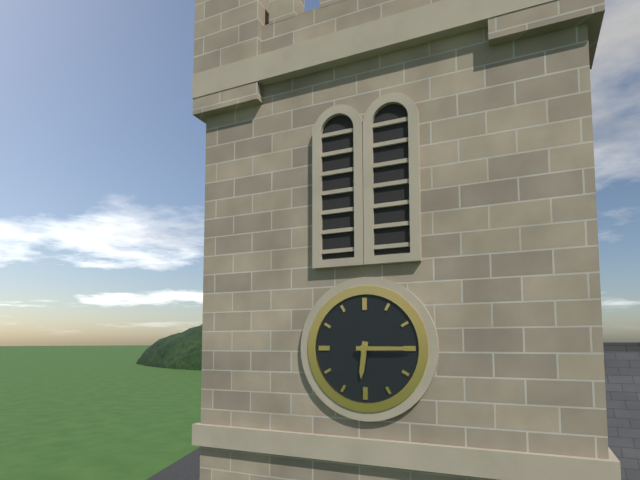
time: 6:15
